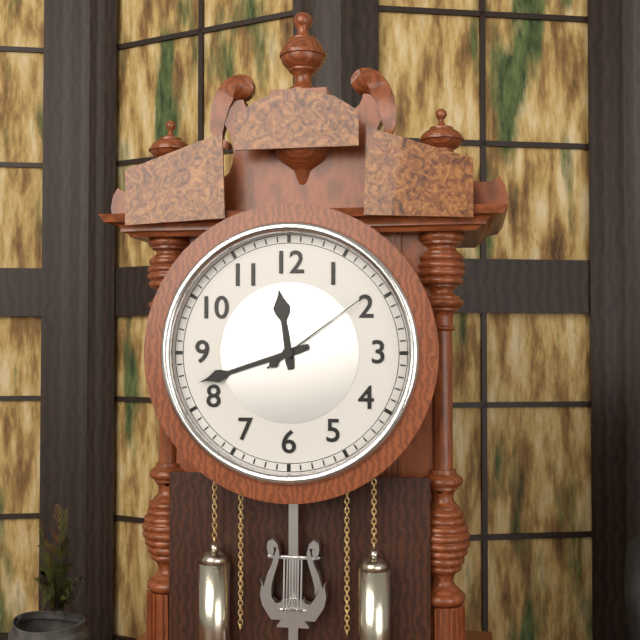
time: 11:42:09
